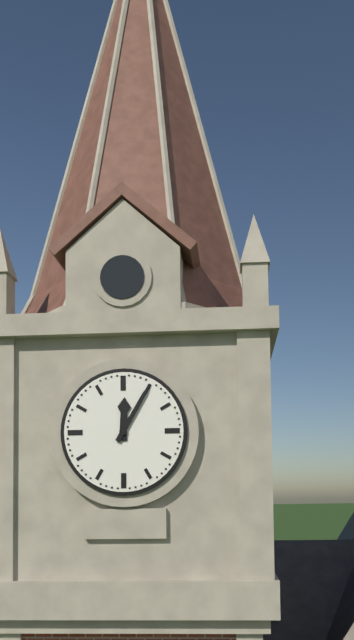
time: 12:05
